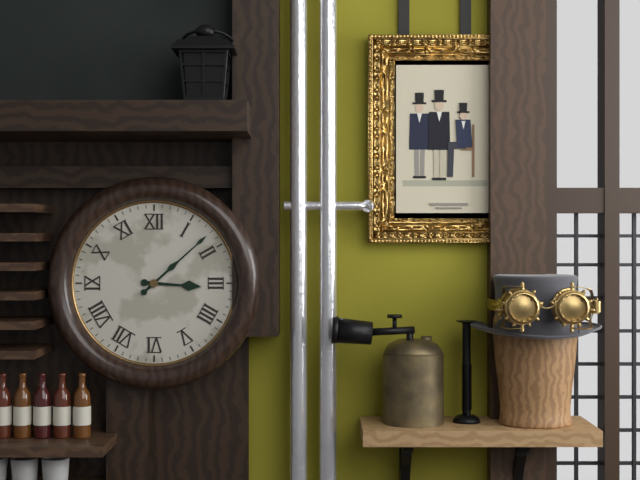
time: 3:08
